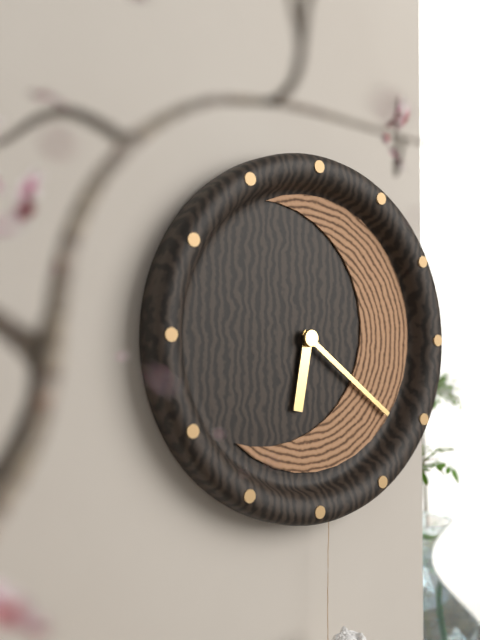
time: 6:21
